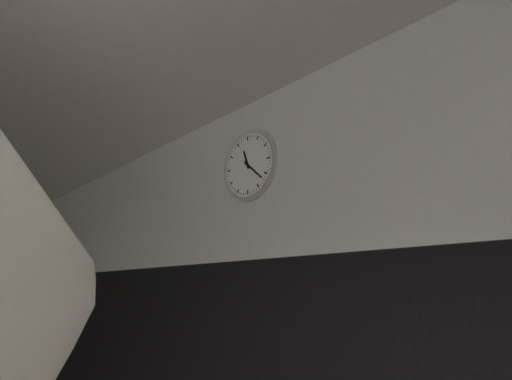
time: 11:22
